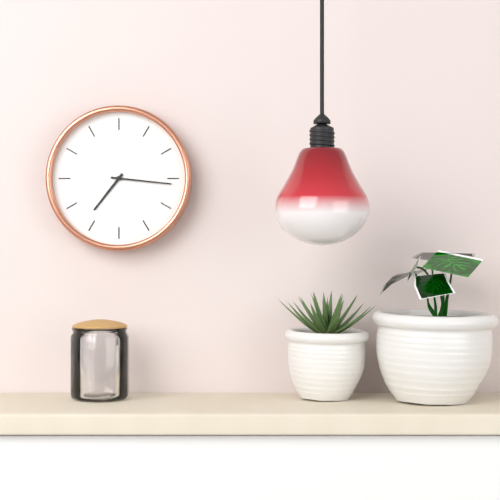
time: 7:16
